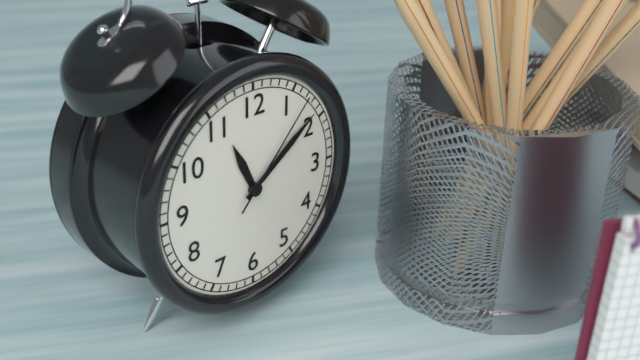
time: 11:09:07
